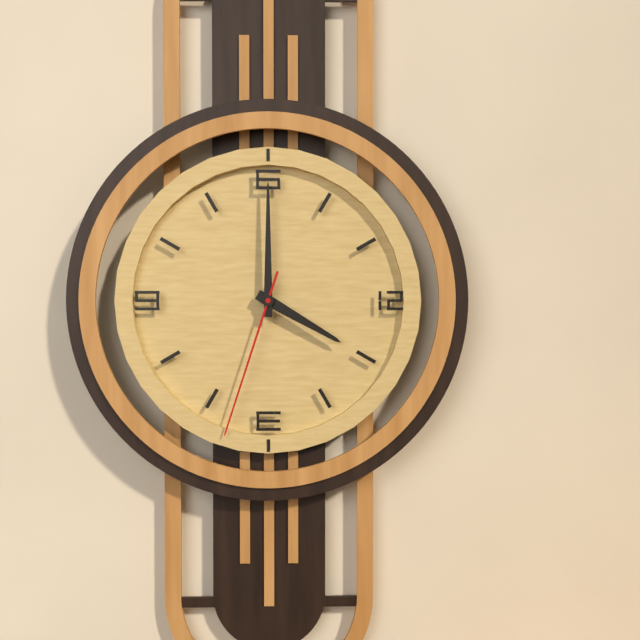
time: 4:00:33
